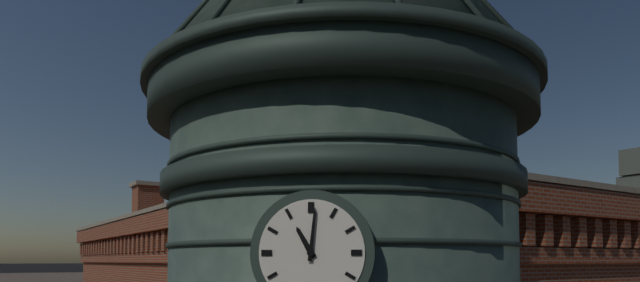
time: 11:01
